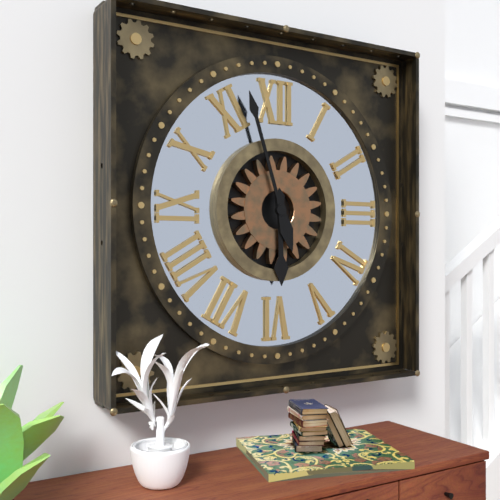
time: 5:57
